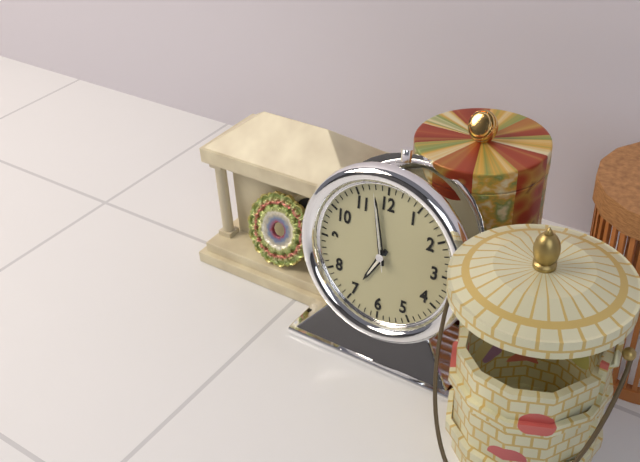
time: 6:58:58
